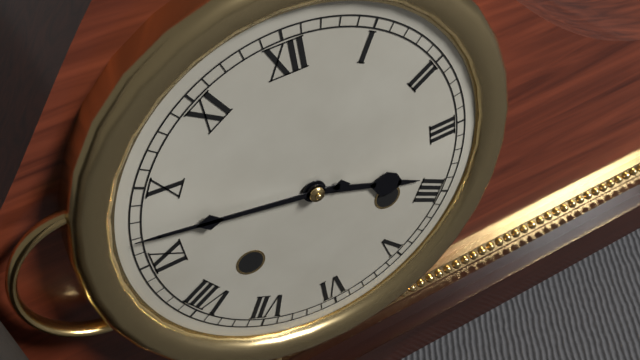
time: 3:47
